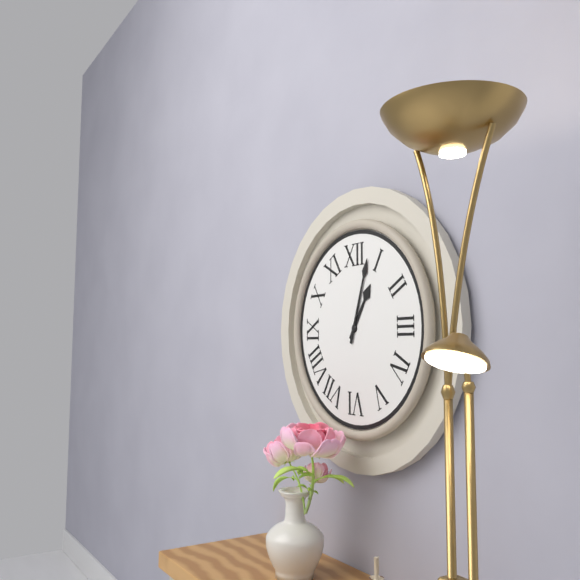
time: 1:03
